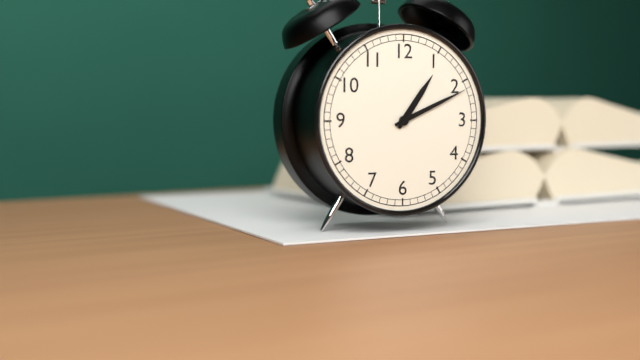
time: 1:11
